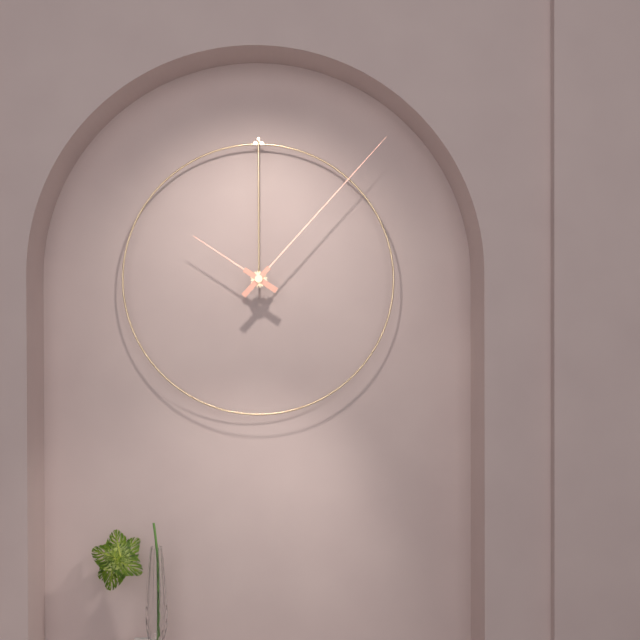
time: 10:07
